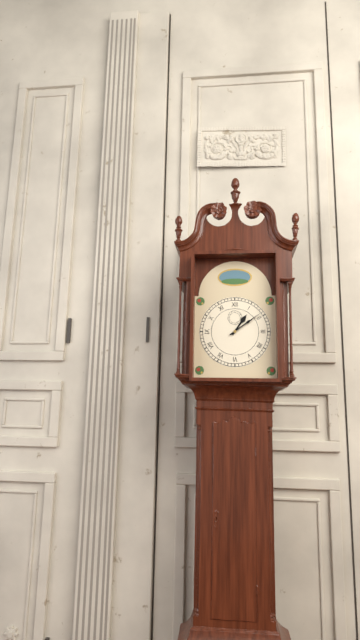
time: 1:09
